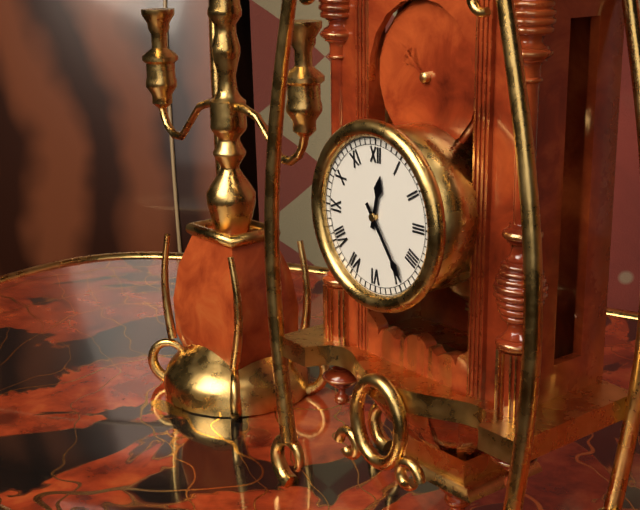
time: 12:24
